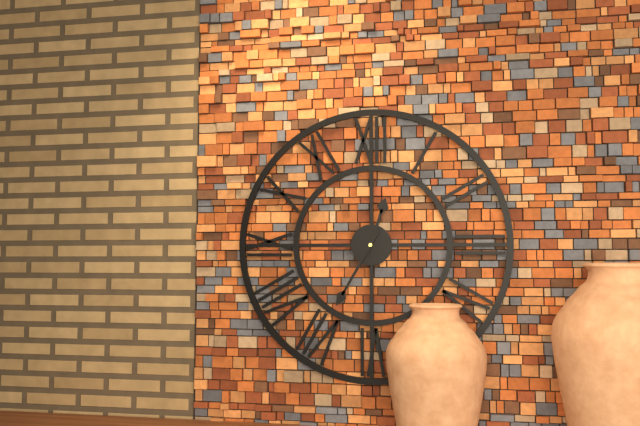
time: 12:35
